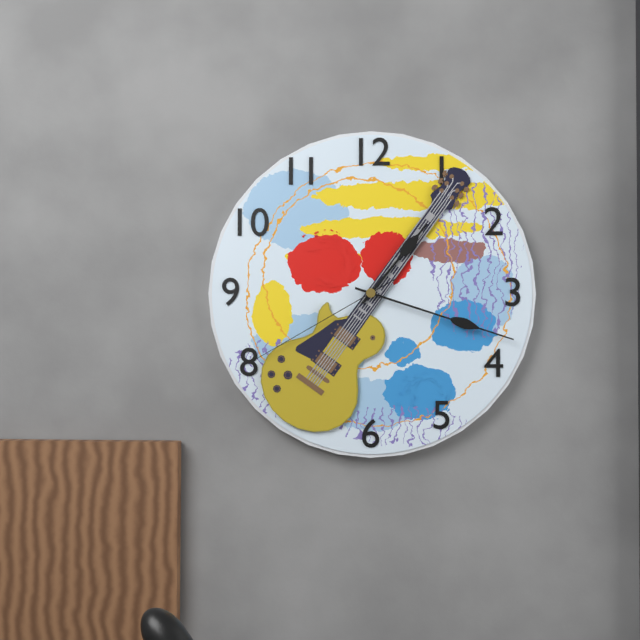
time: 1:18:40
